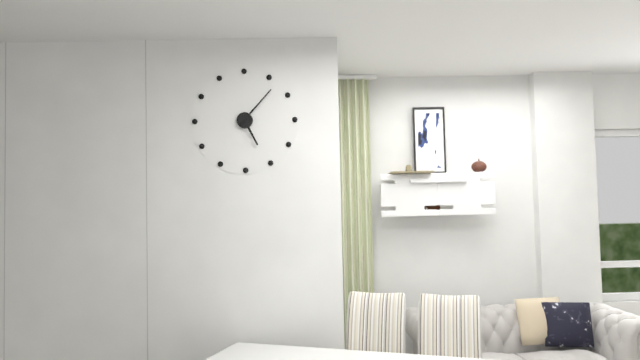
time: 5:07
